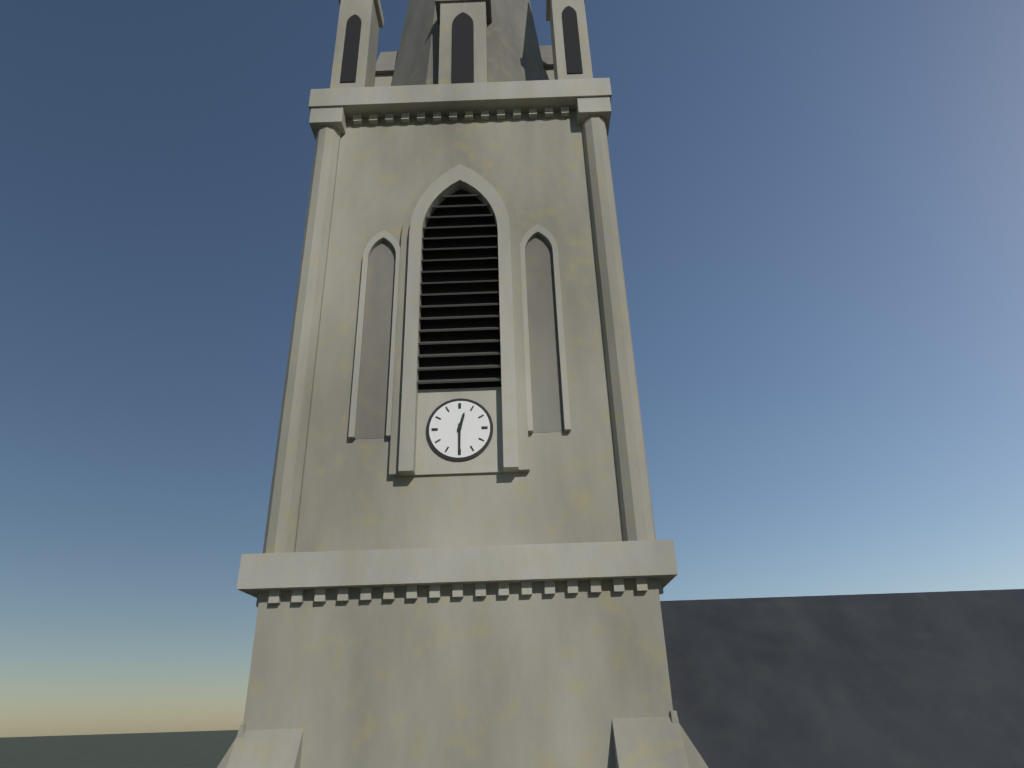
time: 12:30
